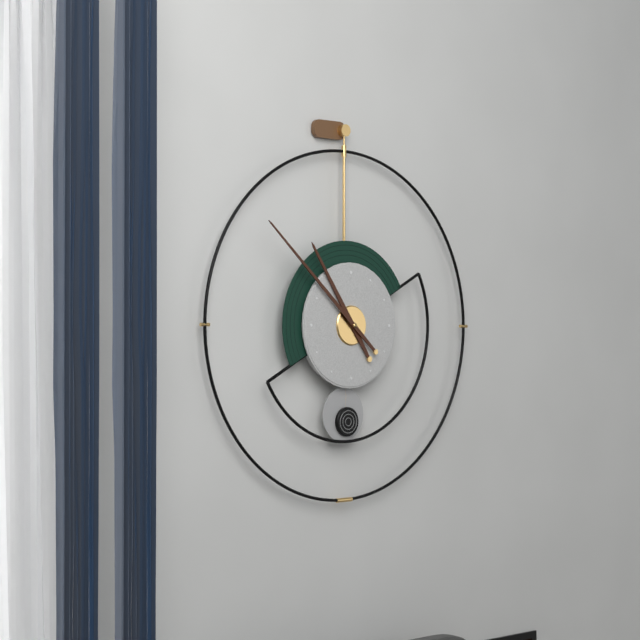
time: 10:52
